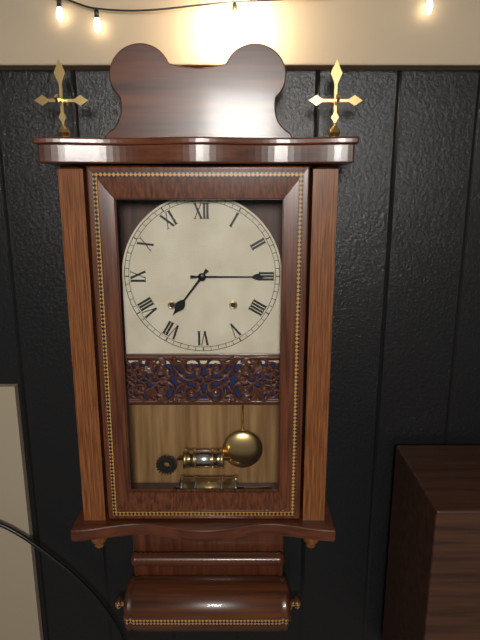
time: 7:15
